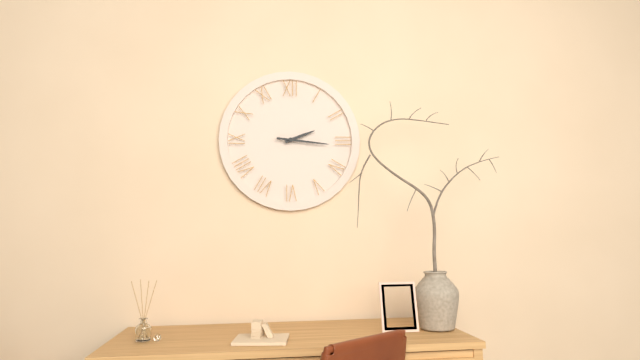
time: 2:16
